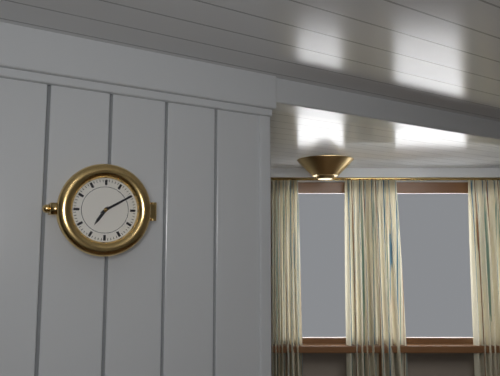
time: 7:10
